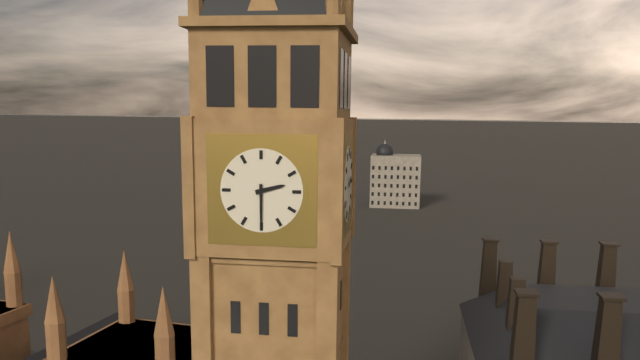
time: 2:30
